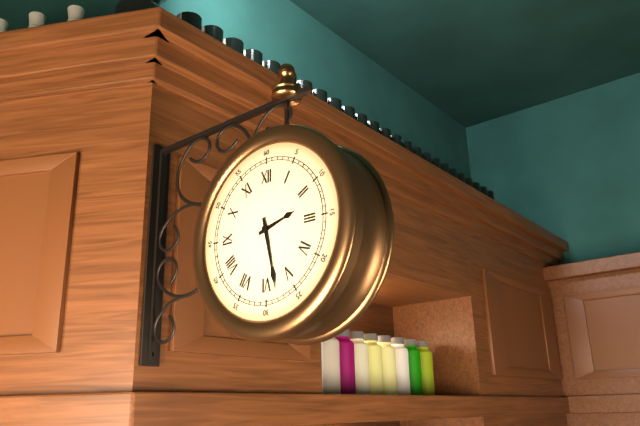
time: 2:28
